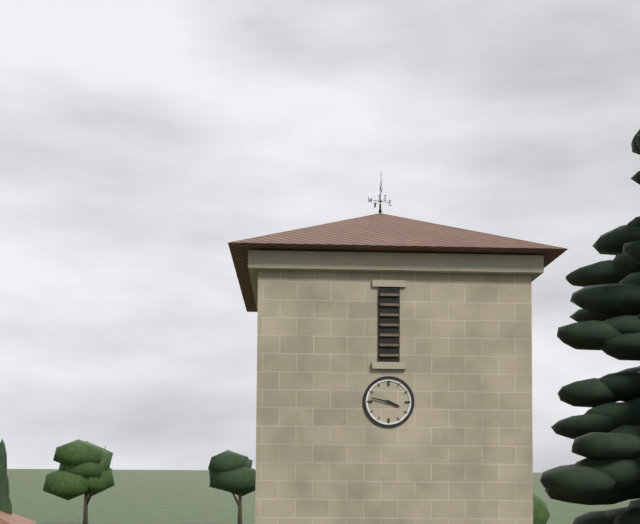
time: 3:47
